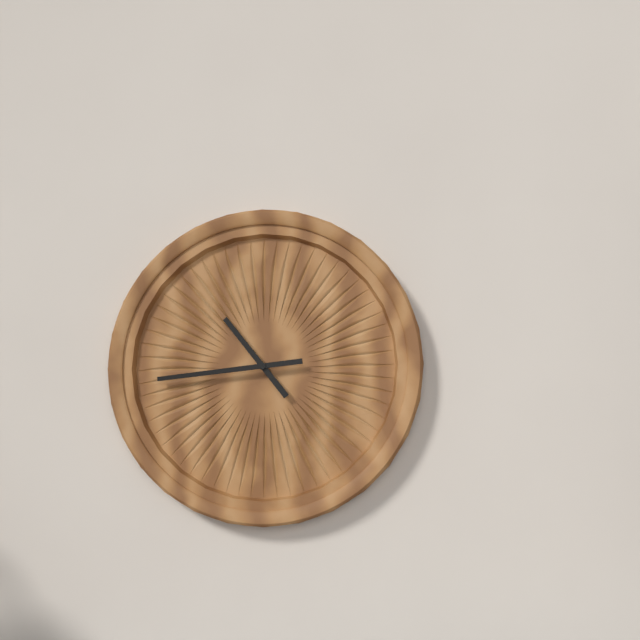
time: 10:44
